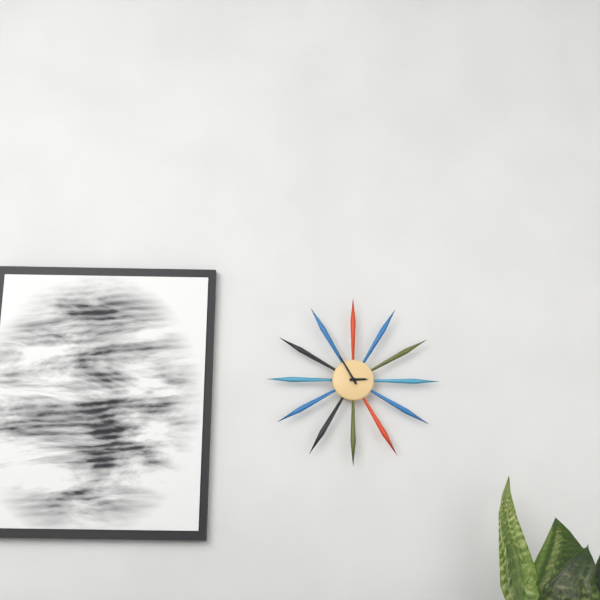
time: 2:55
